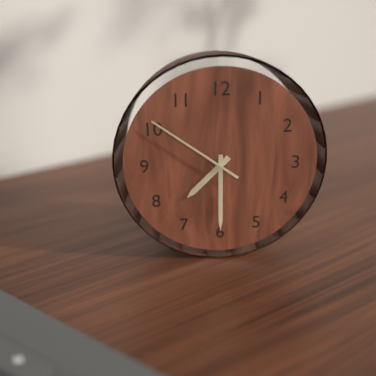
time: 7:30:51
